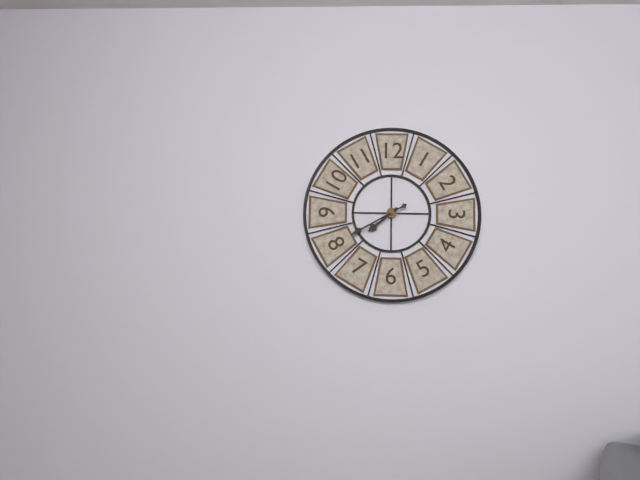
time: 7:40
